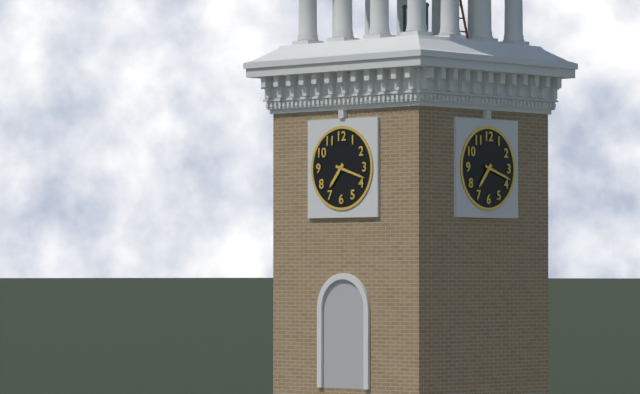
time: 7:18
